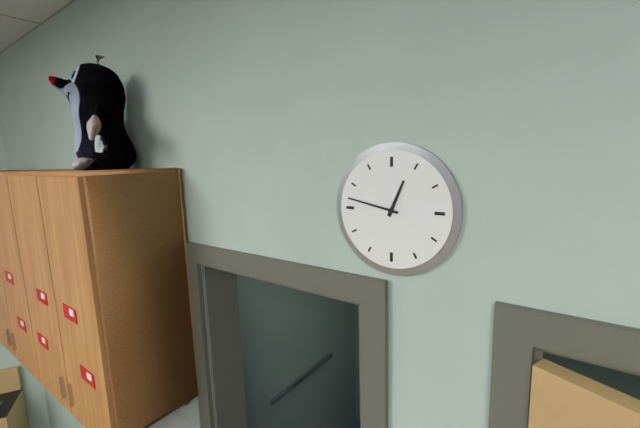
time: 12:47
